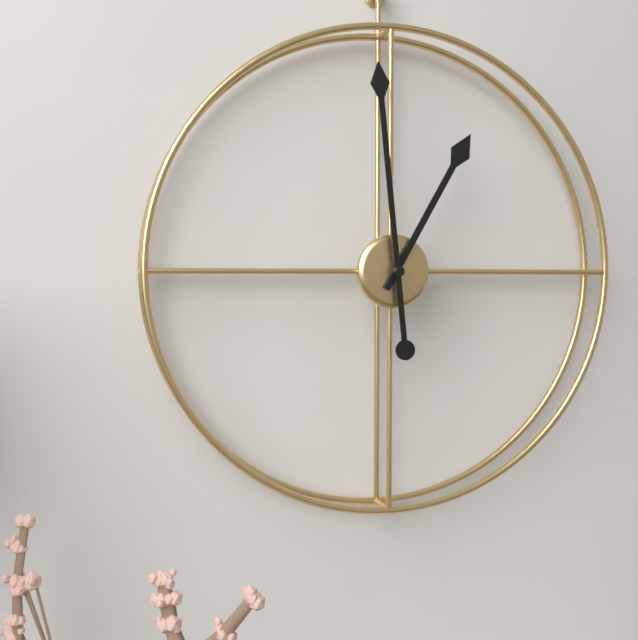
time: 12:59
